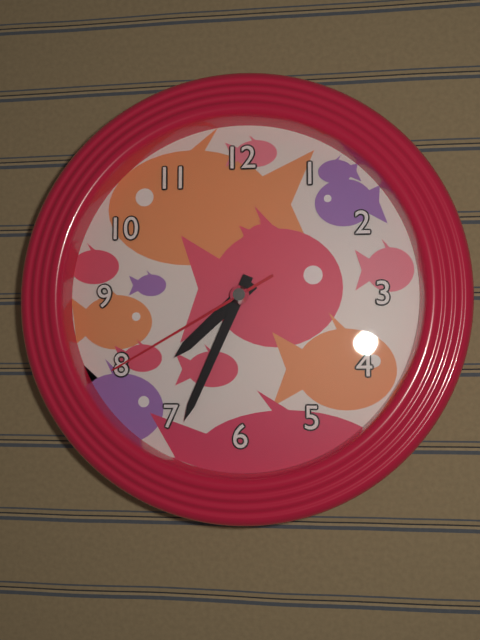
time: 7:34:40
